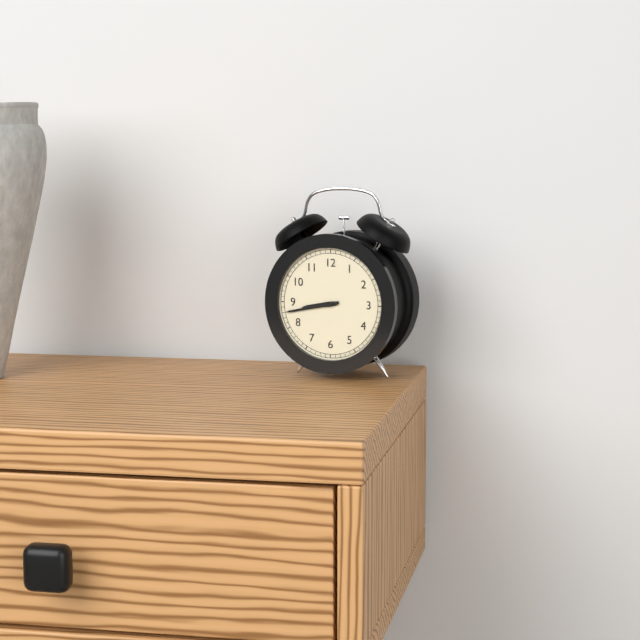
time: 8:43
